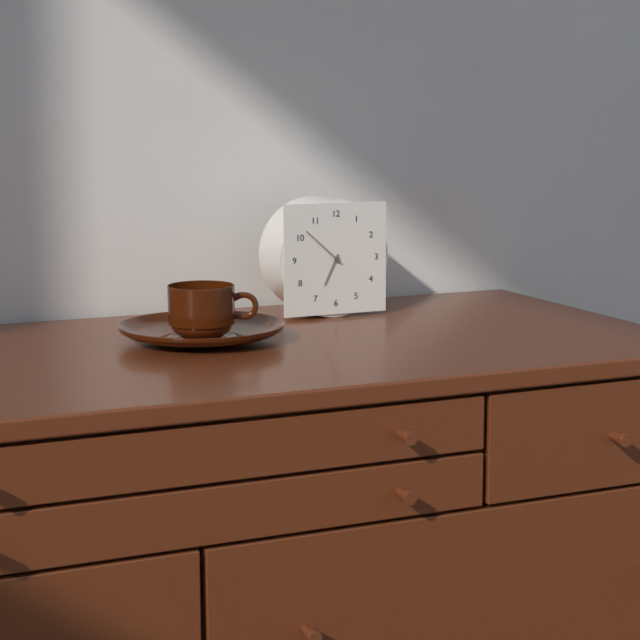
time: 6:52
